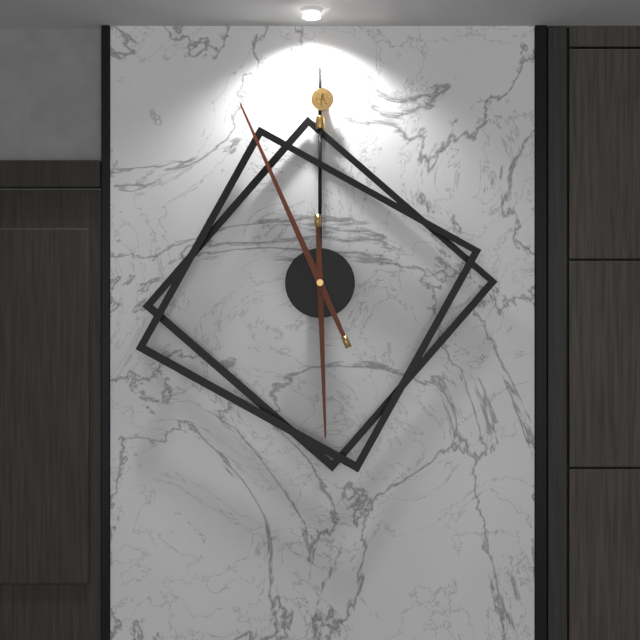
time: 5:56
